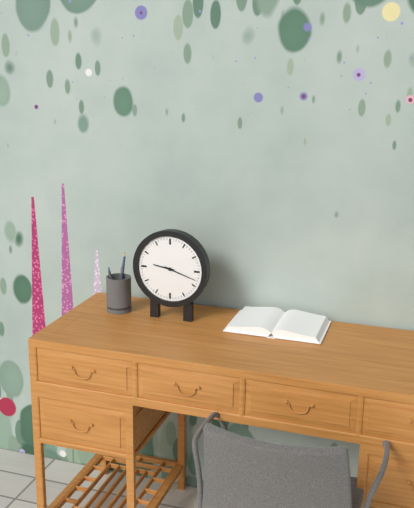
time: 9:18
